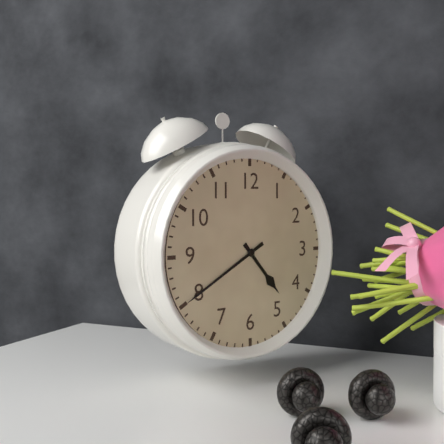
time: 4:40
